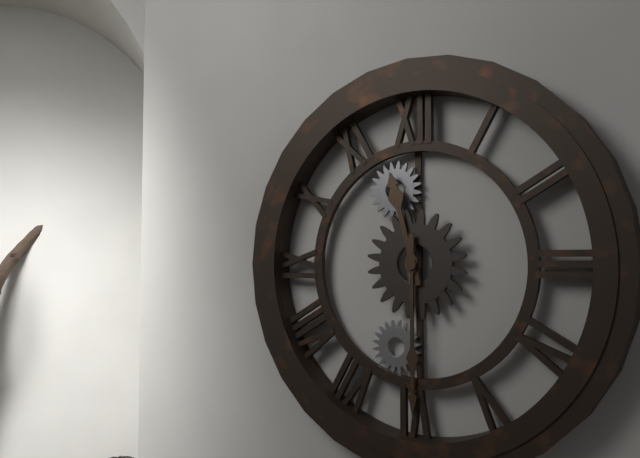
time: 11:30
